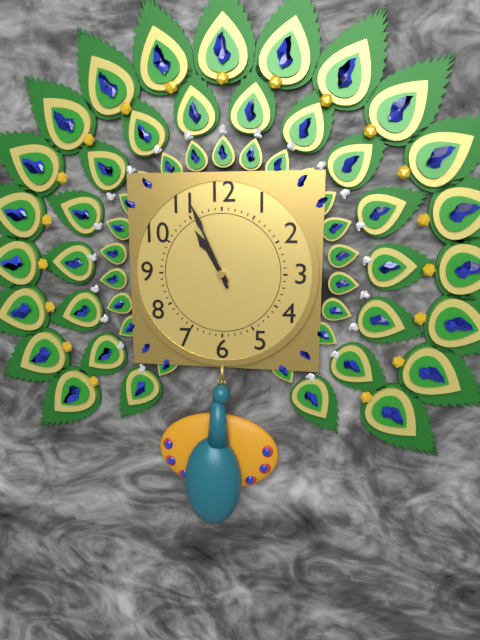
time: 10:56
